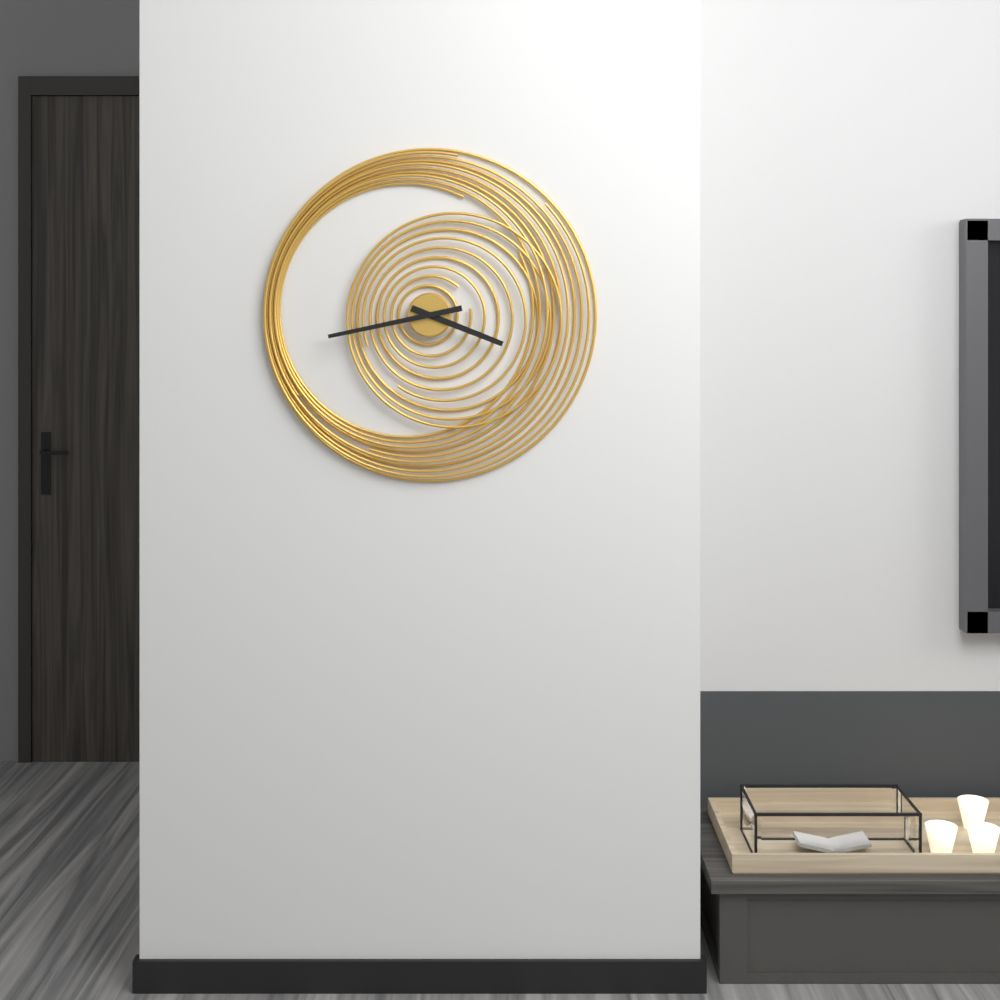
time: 3:43
